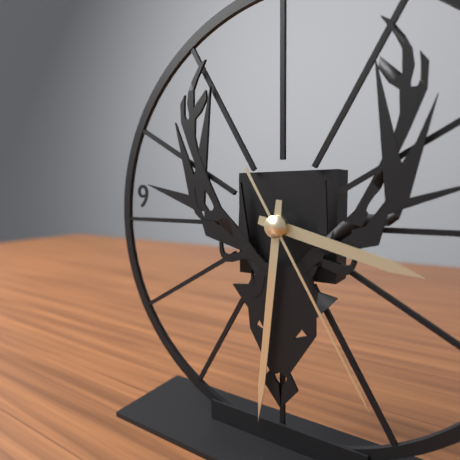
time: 3:31:25
